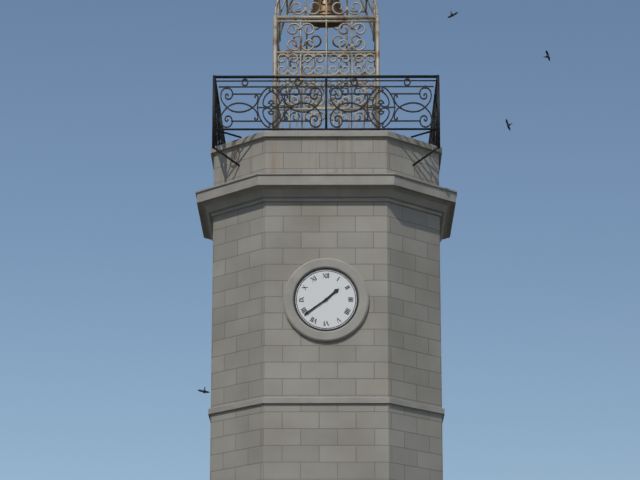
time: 1:39
